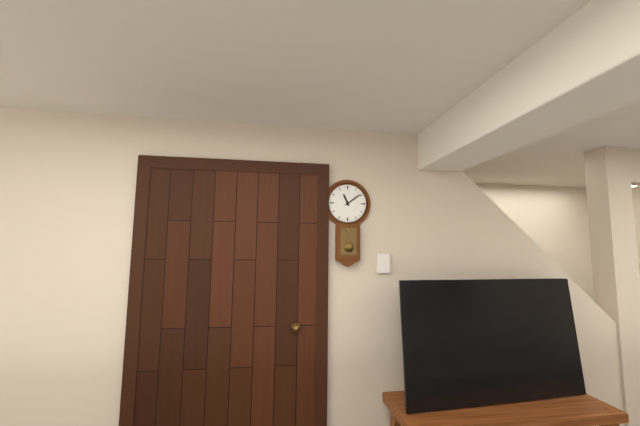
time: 11:09
